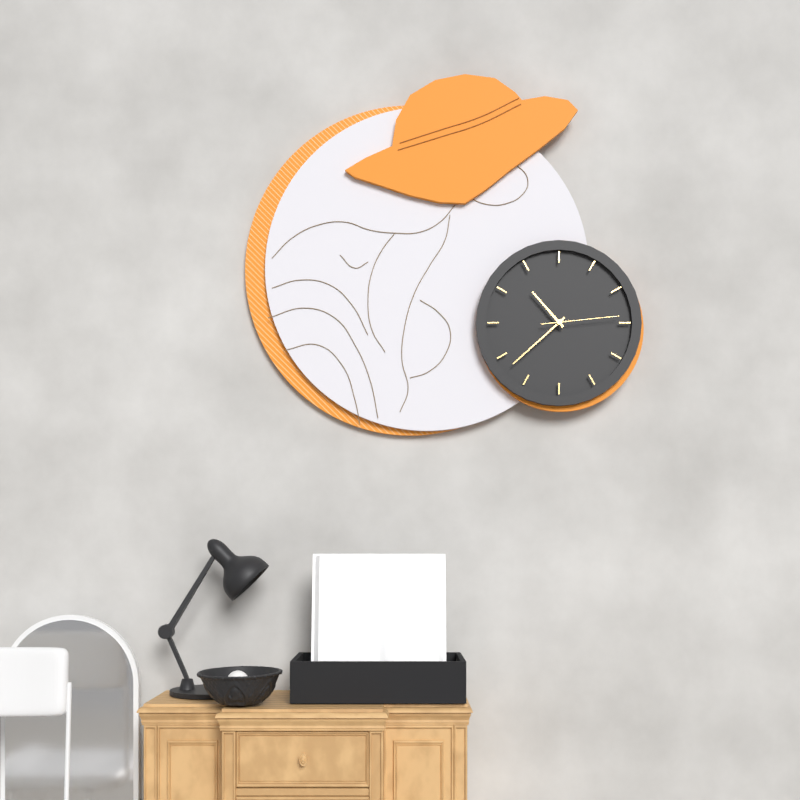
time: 10:38:14
